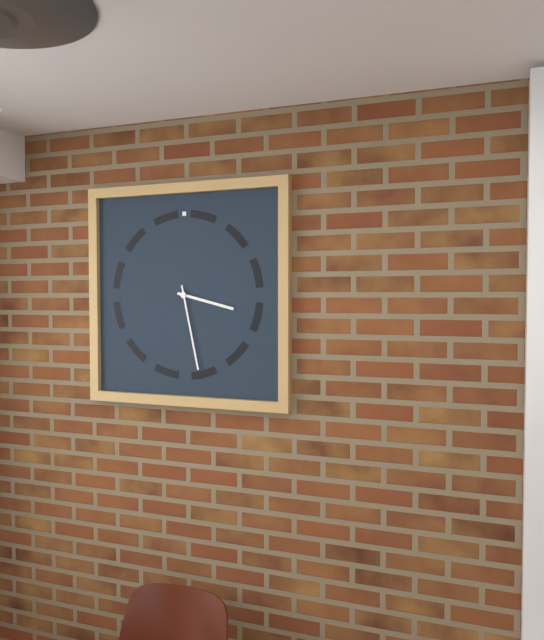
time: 3:28
